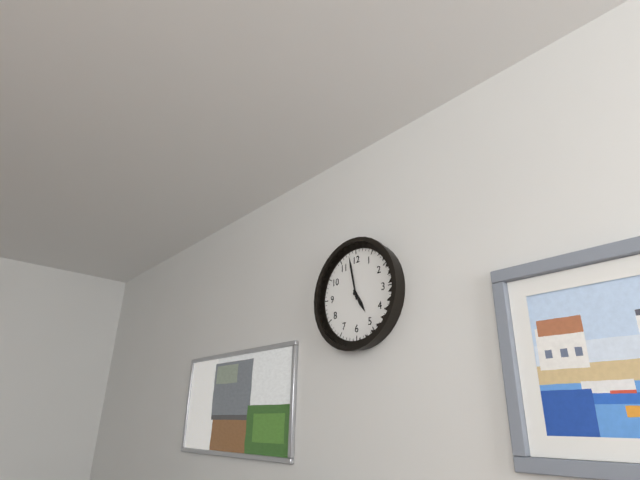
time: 4:58
